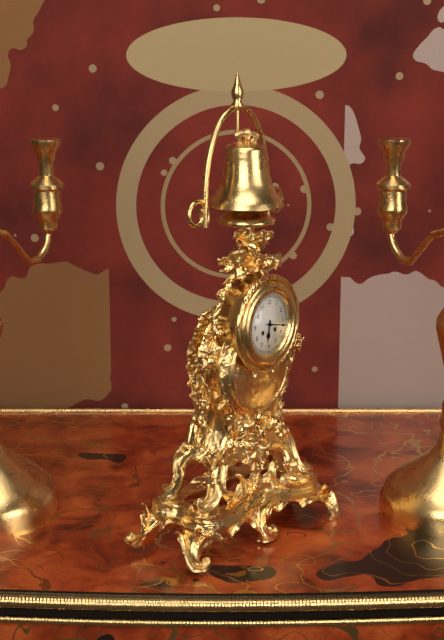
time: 6:17
